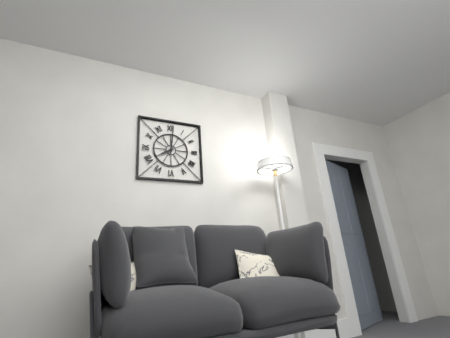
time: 8:01
